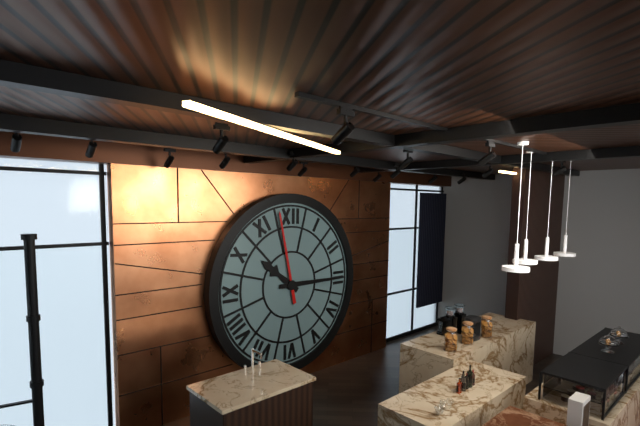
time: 10:15:58
